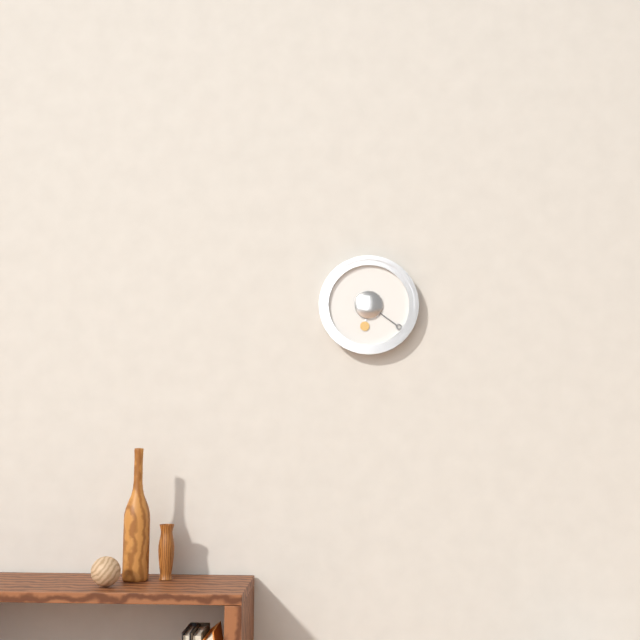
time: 6:21
